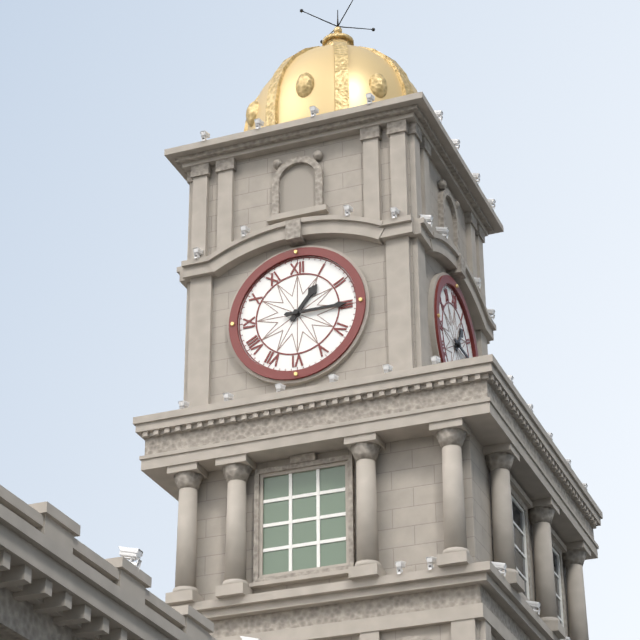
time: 1:15
